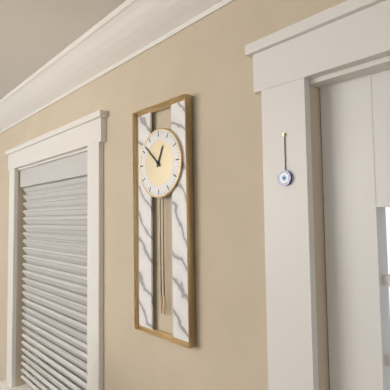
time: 12:52
